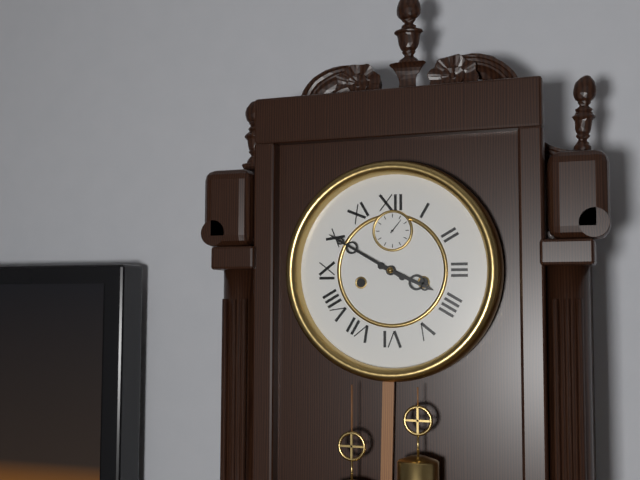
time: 3:50
